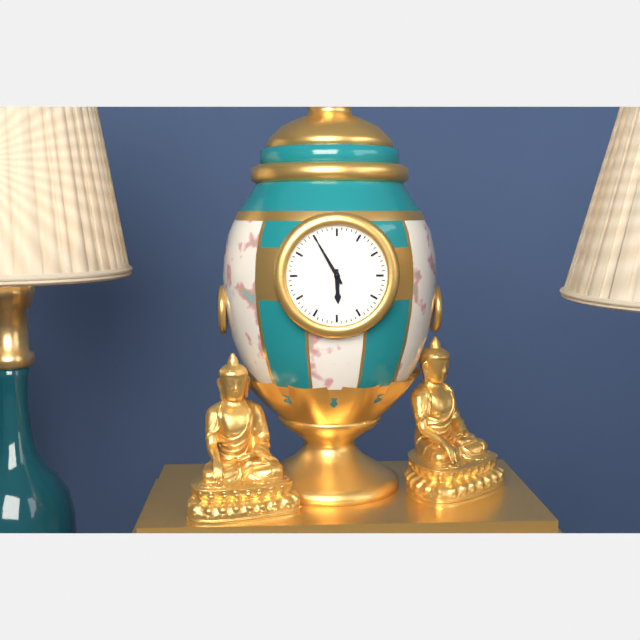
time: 5:55
